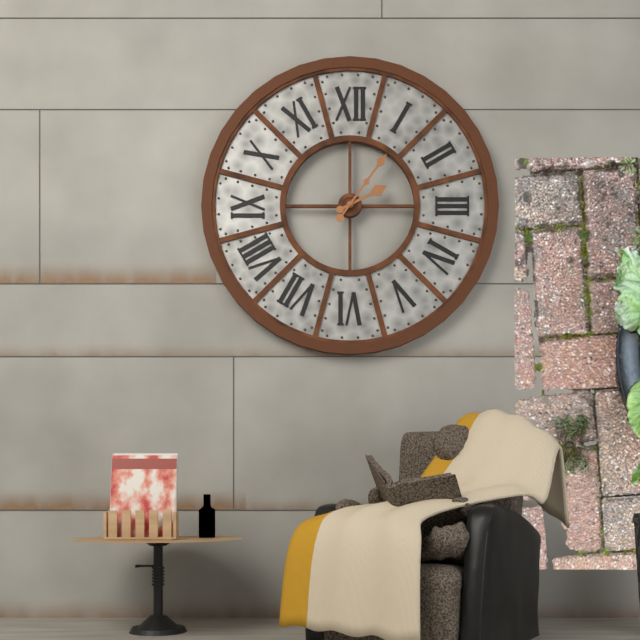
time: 2:06
